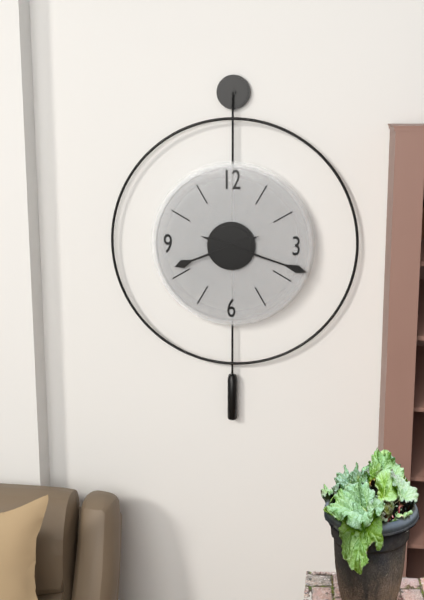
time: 8:18
